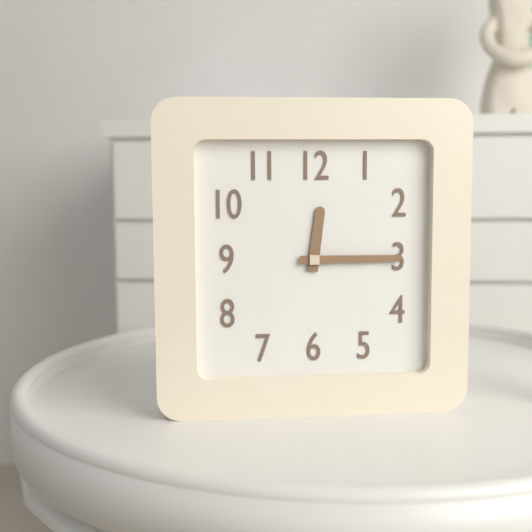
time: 12:15
